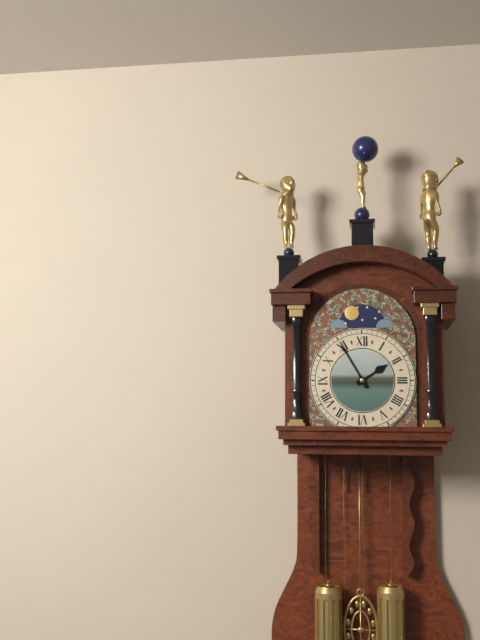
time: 1:55
